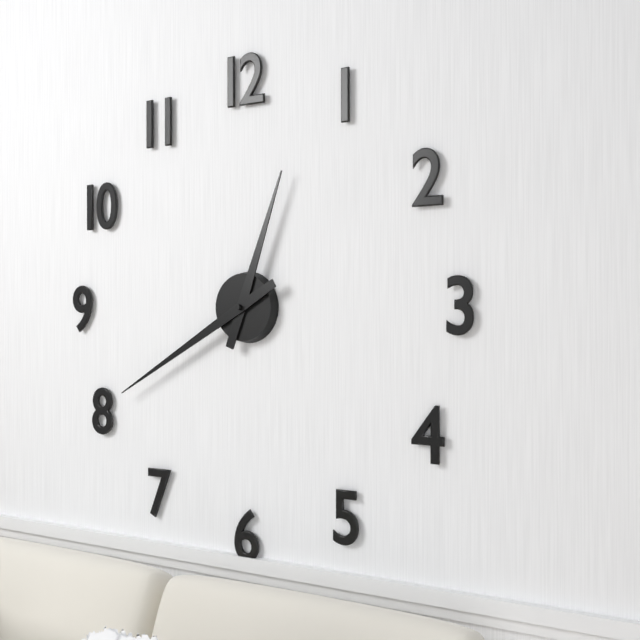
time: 12:40
